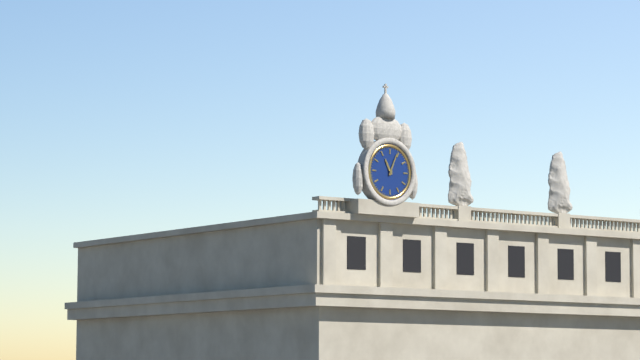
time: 11:04
